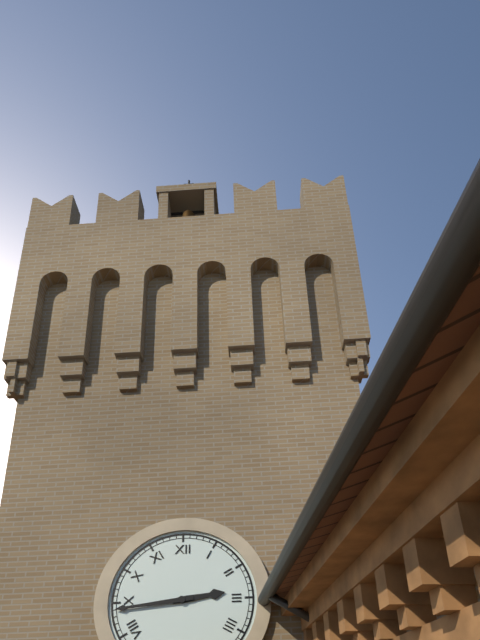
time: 2:44
